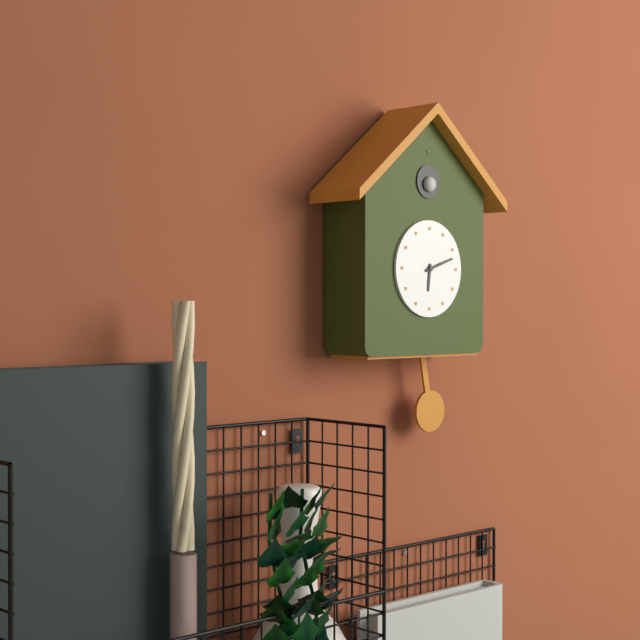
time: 6:12
